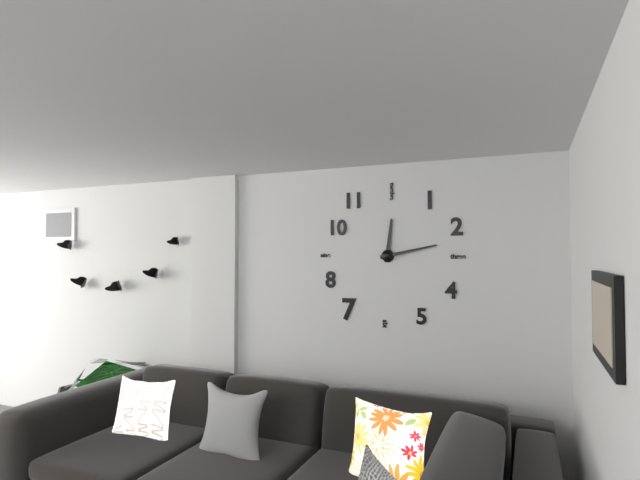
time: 12:13
